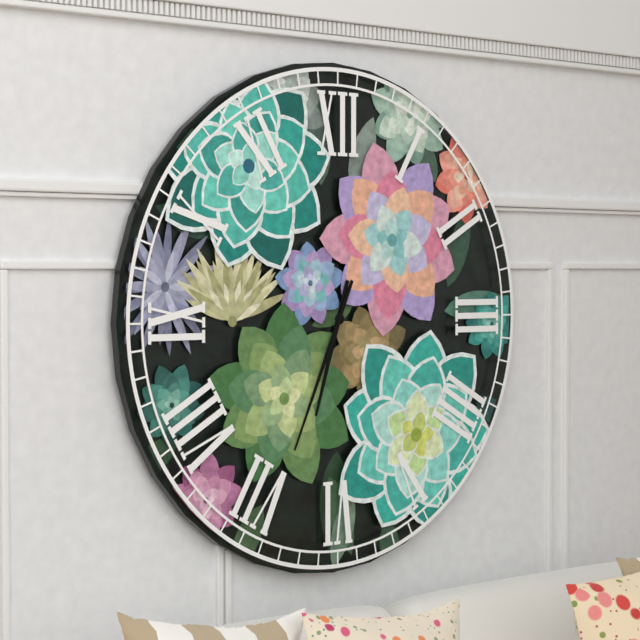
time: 6:34
